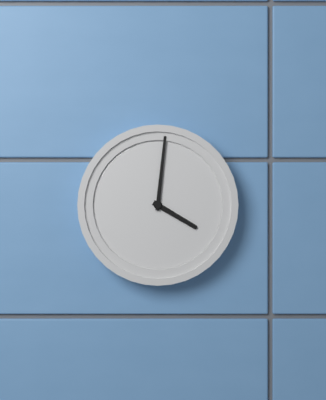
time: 4:01
